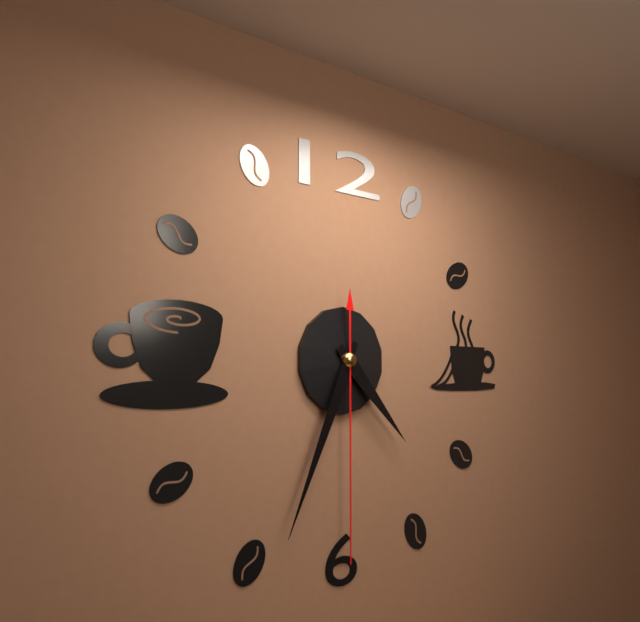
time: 4:34:30
